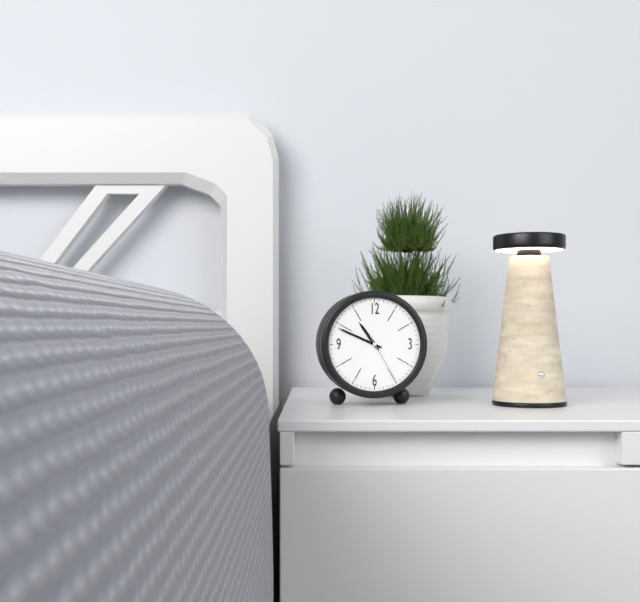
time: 10:49:25
